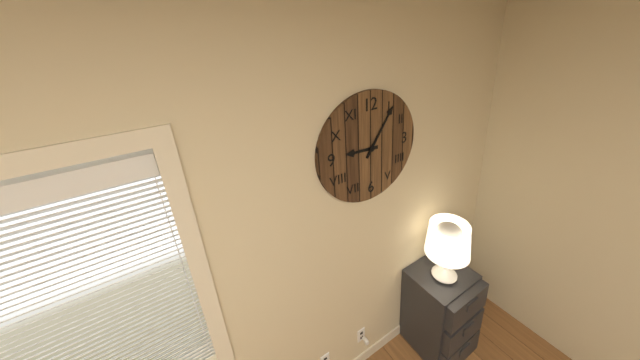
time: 9:06
